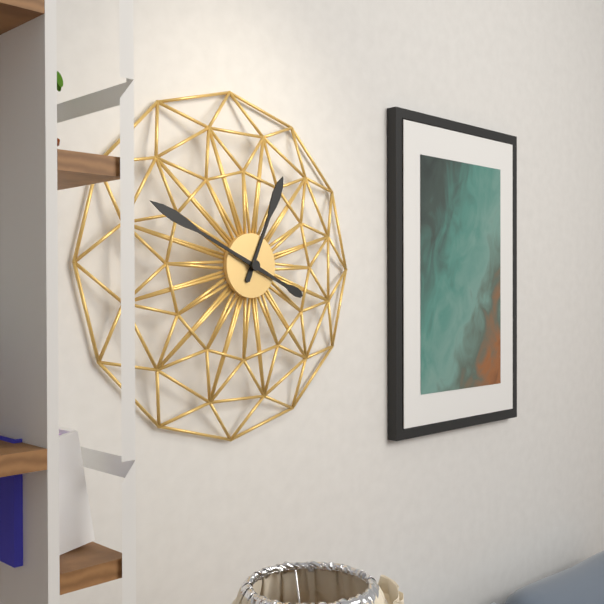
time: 12:49
